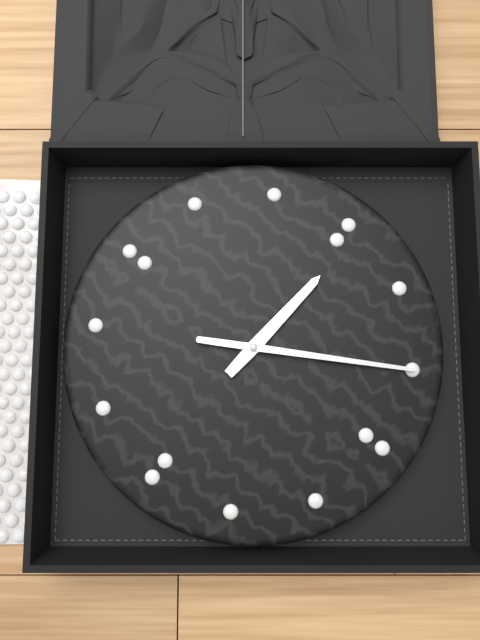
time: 12:10
